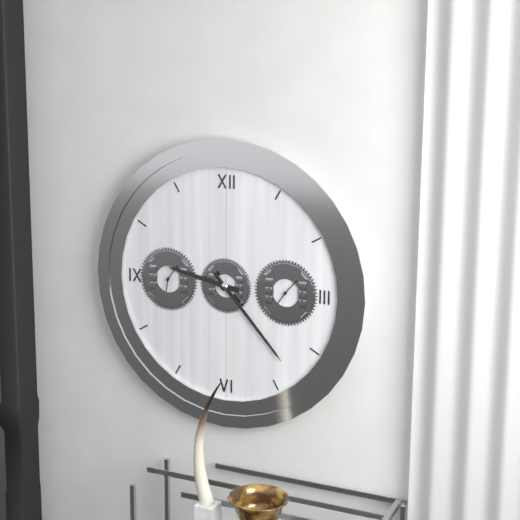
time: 9:23
